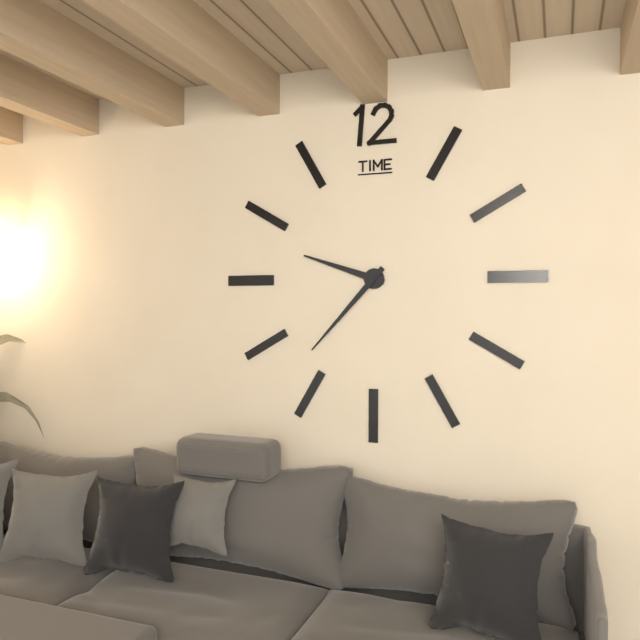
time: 9:37
